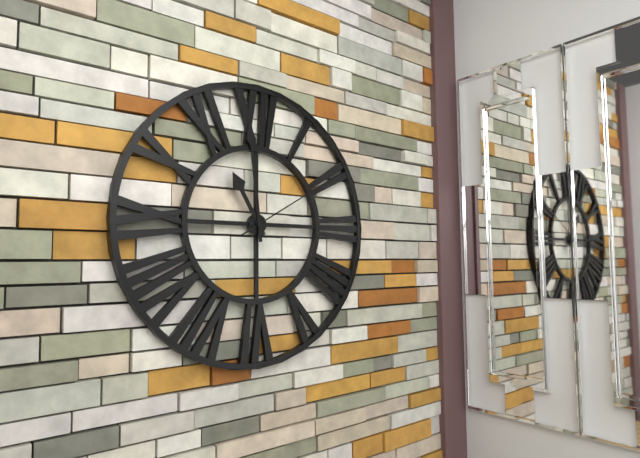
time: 10:59:10
